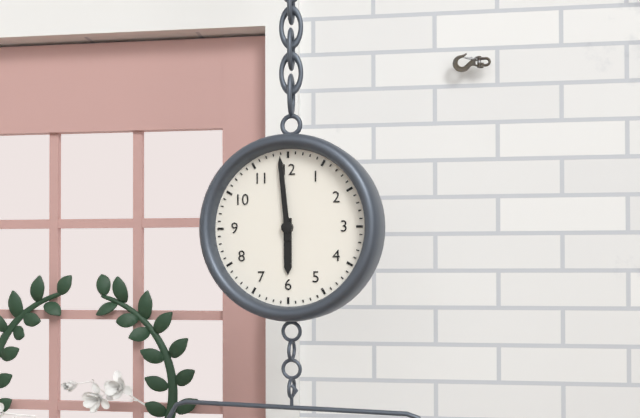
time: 5:59
